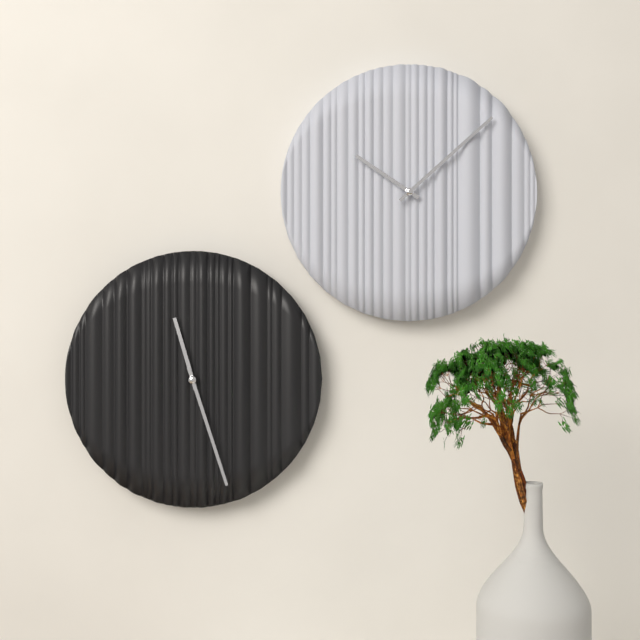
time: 11:27
